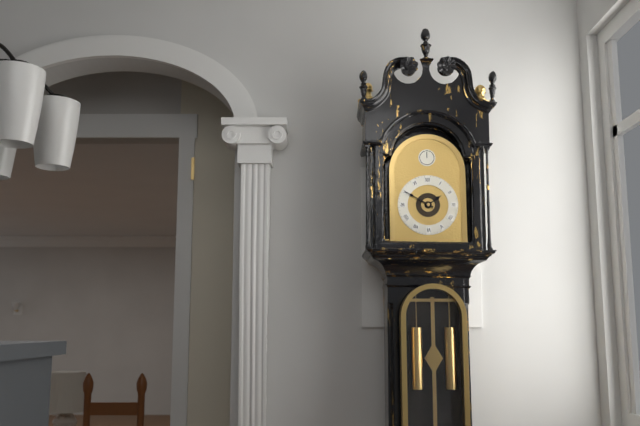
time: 1:50
